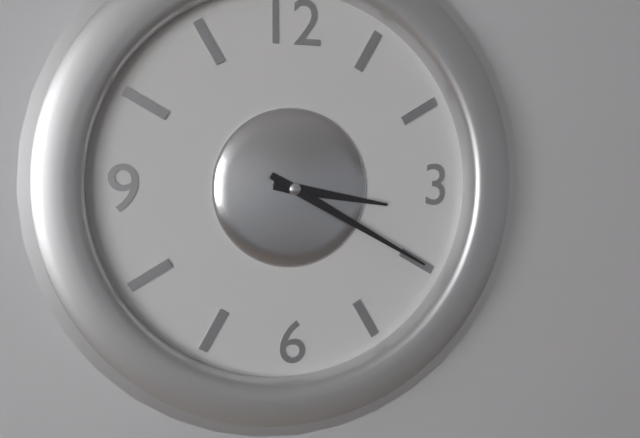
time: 3:20
